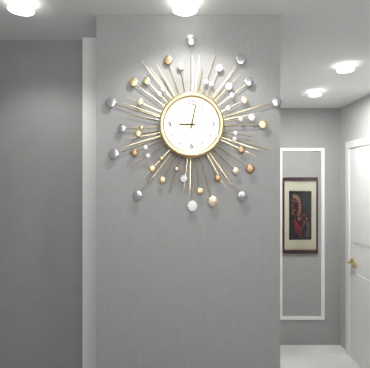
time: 9:02
